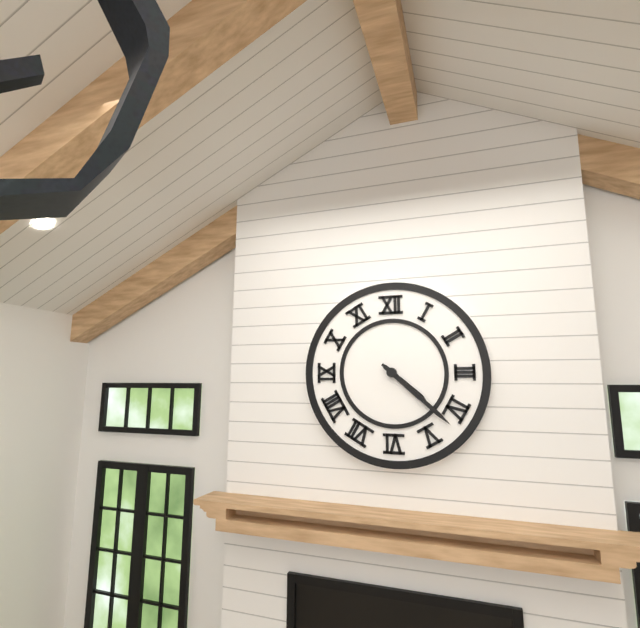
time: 4:22
